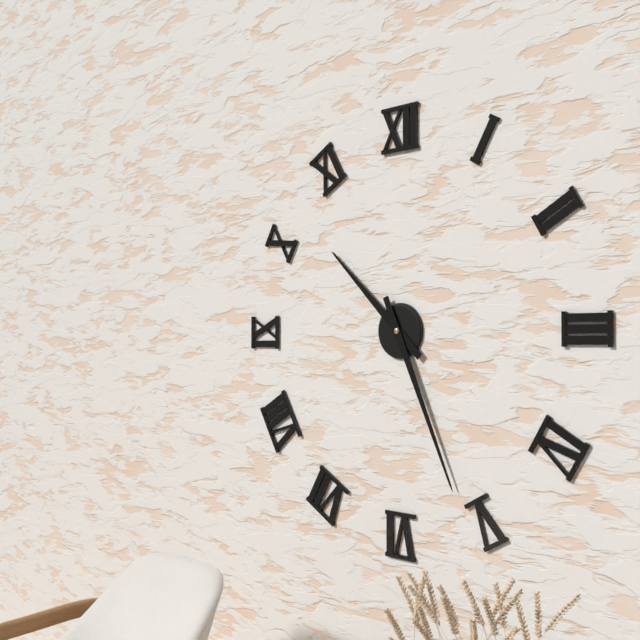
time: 10:26
